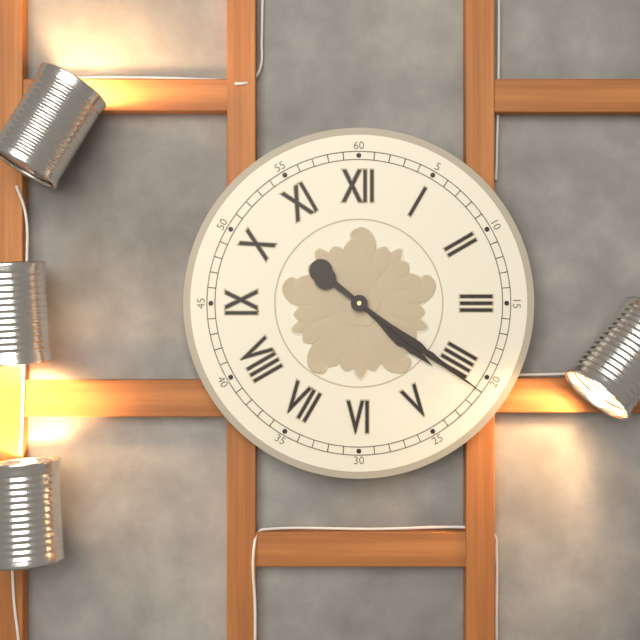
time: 4:21
